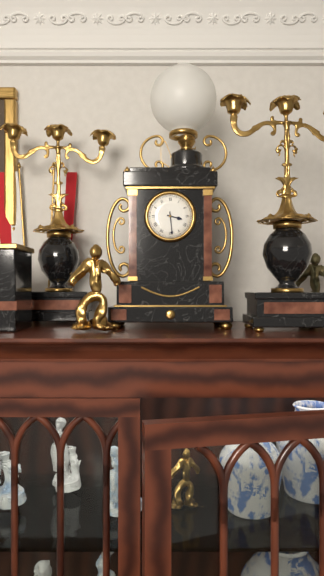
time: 3:29
